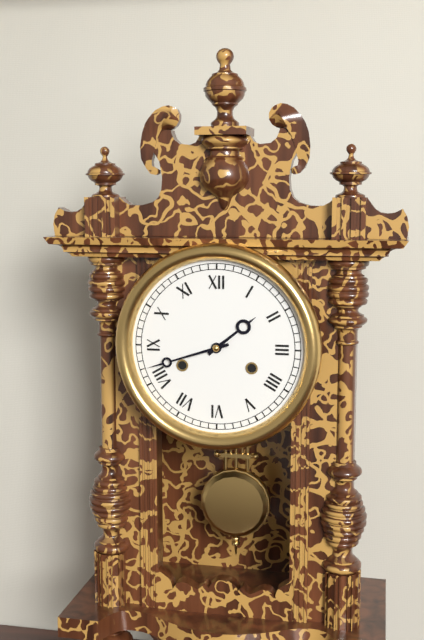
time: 1:42
